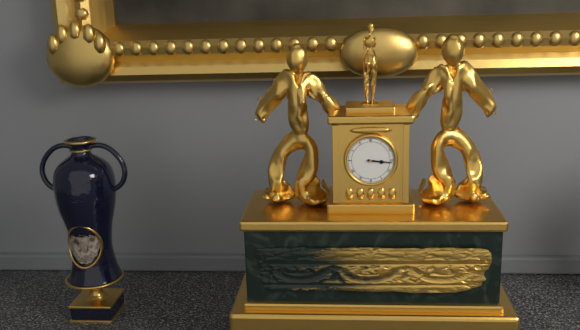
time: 3:16
